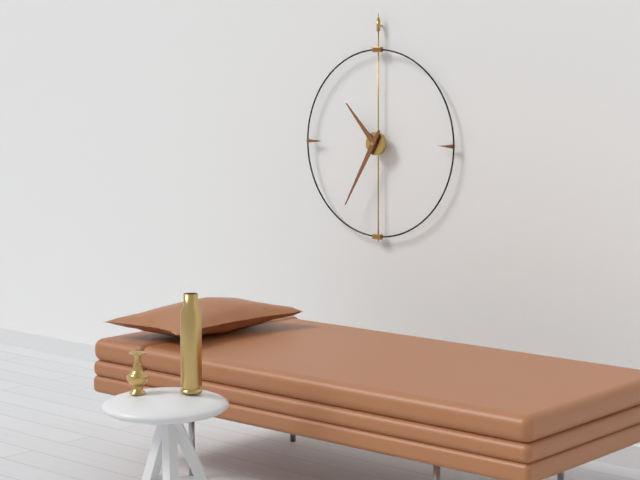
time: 10:35
